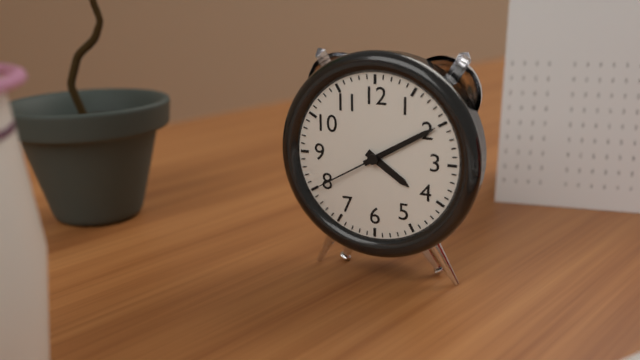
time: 4:10:40
